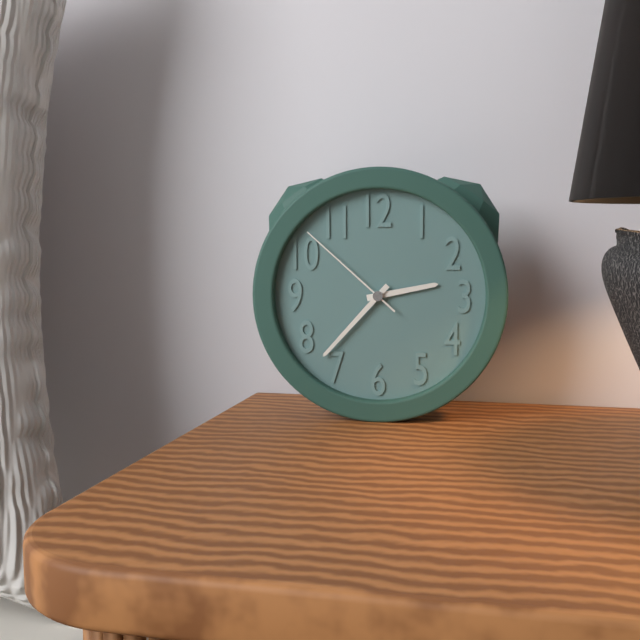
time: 2:37:52
